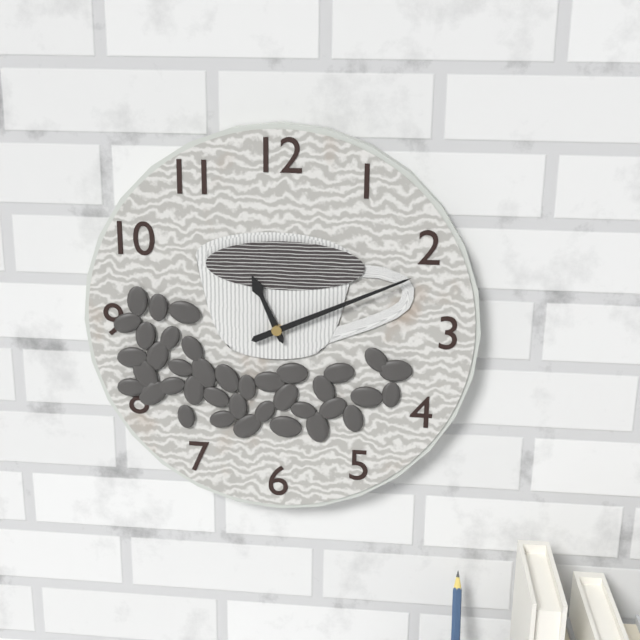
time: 11:11
